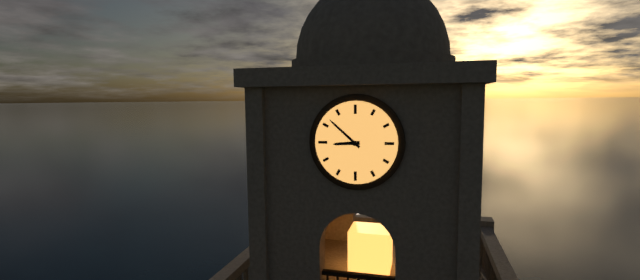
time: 8:52
